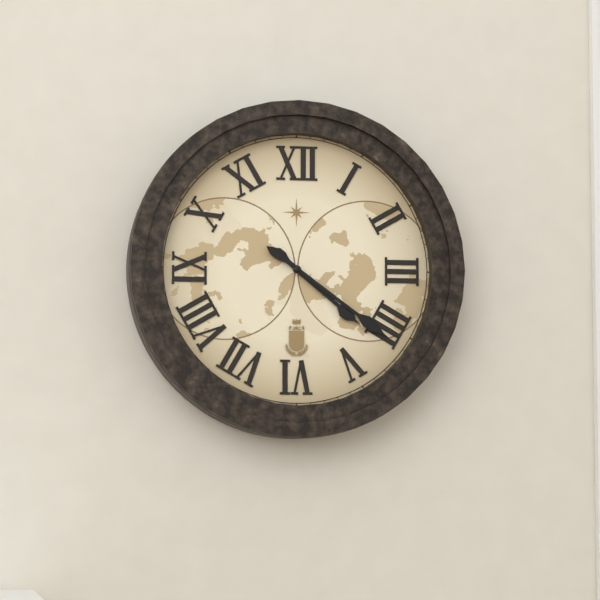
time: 4:21
